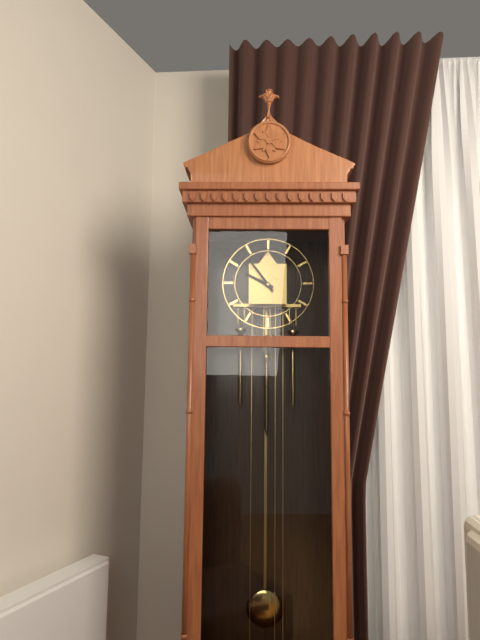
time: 9:54
